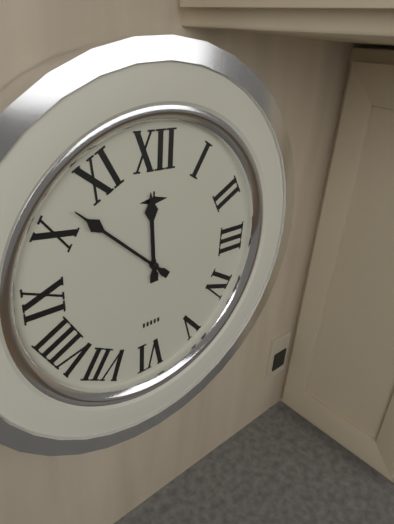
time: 11:52
